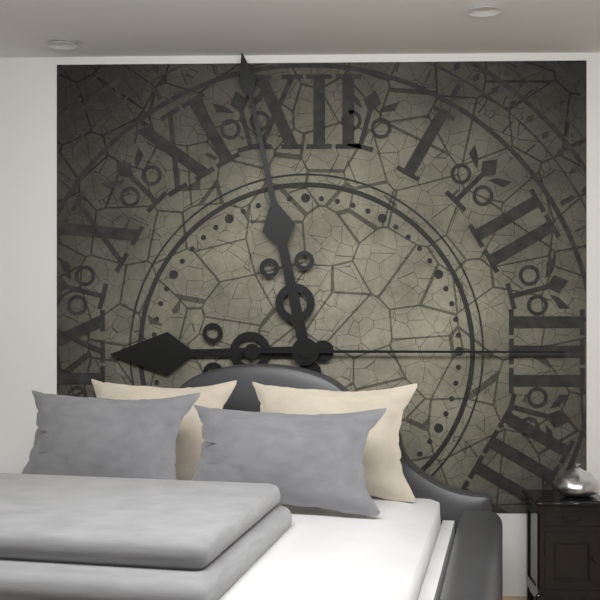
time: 8:58:15
